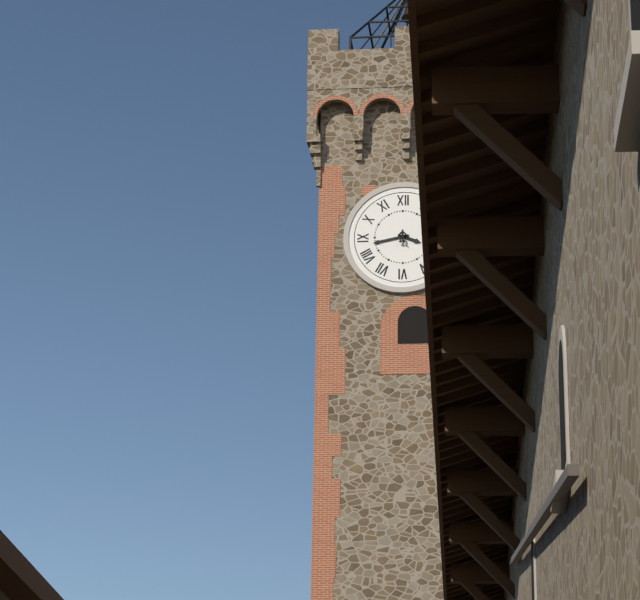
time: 3:43
